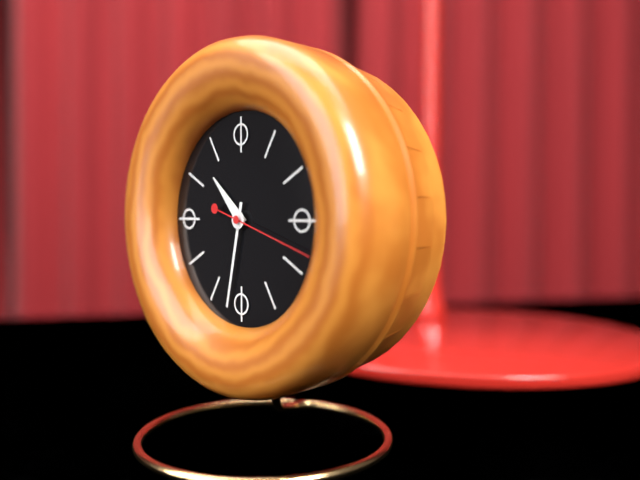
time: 10:32:18
